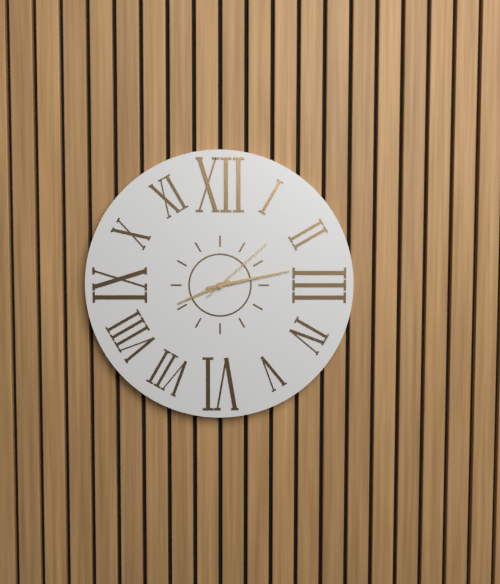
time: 8:13:08
